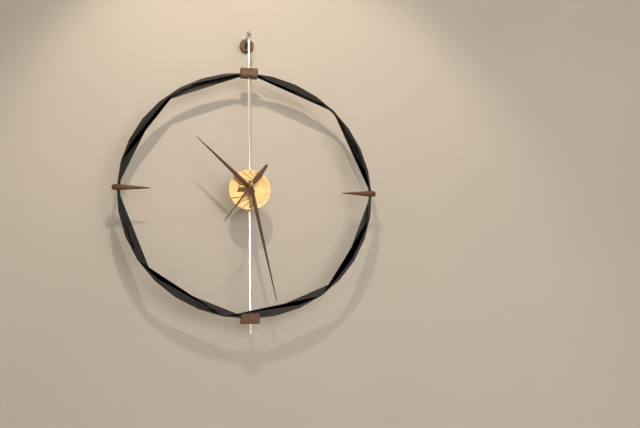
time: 10:28:36
